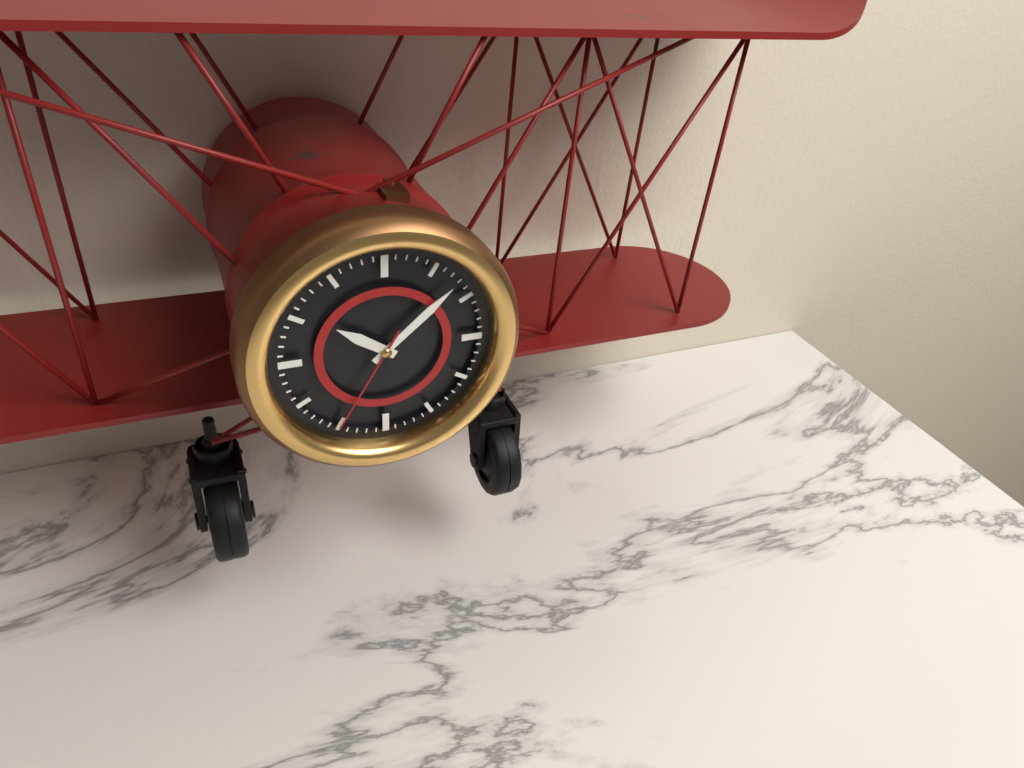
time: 10:08:35
